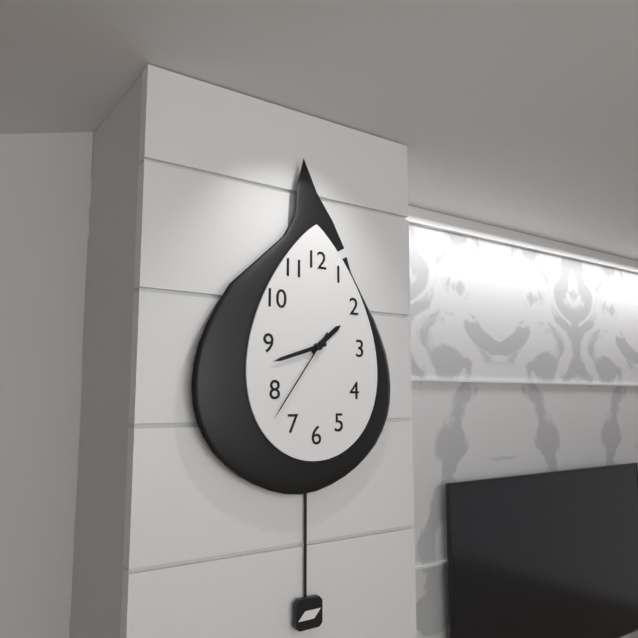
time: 1:42:36
